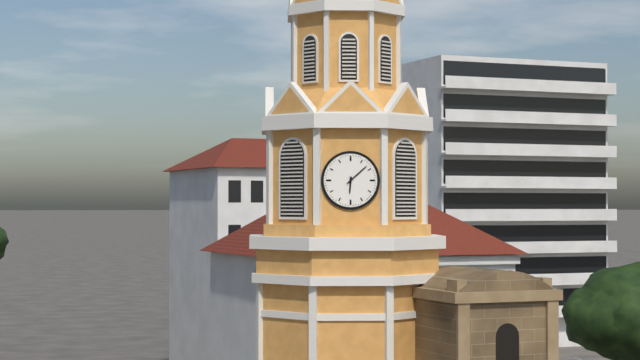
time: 6:08
